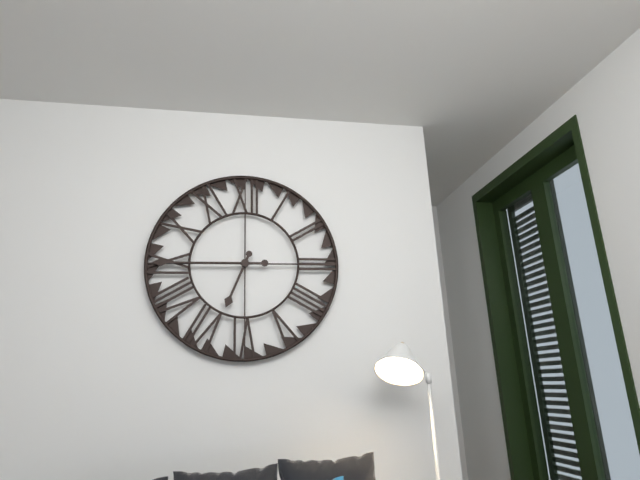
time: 6:45
